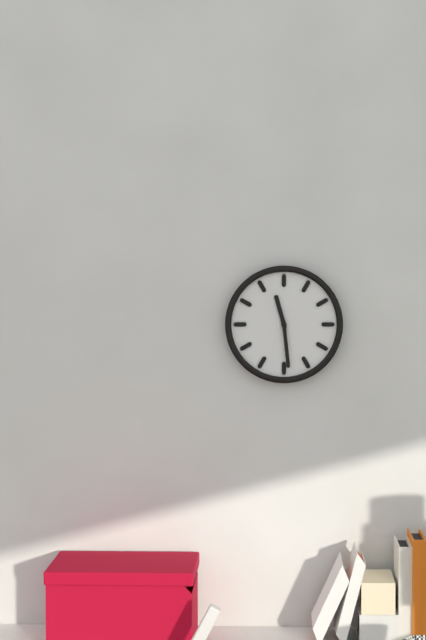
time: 11:29
